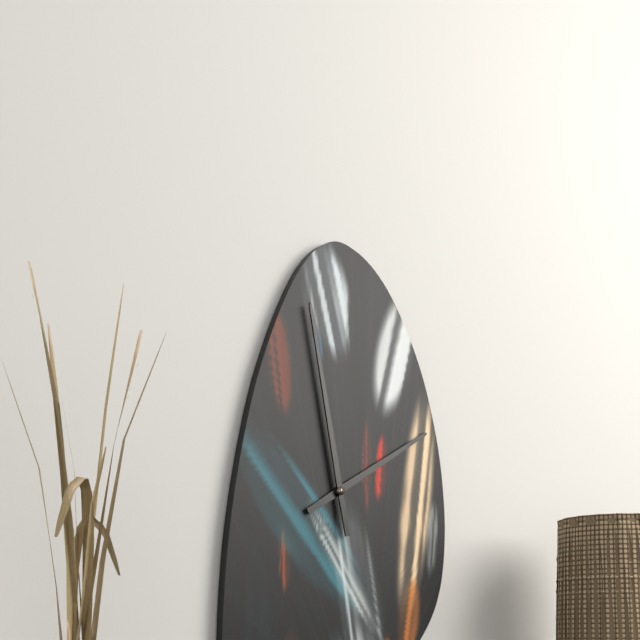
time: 1:58
